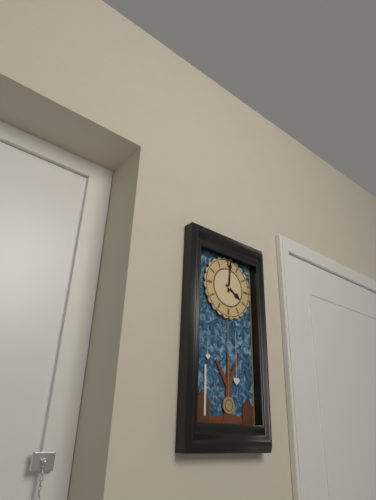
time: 4:01
